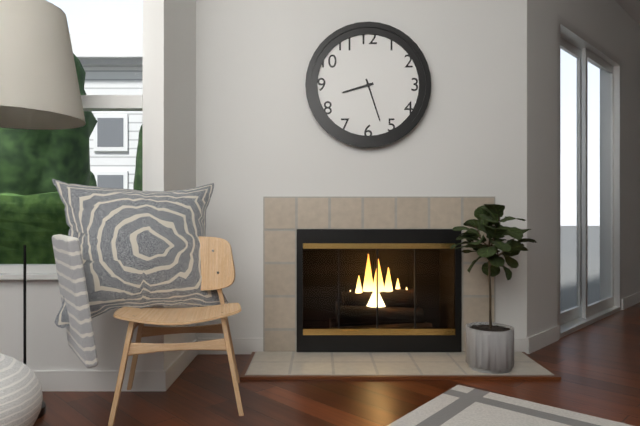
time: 8:27
